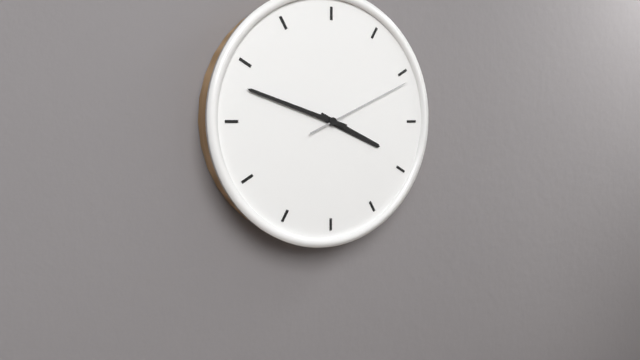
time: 3:48:11
